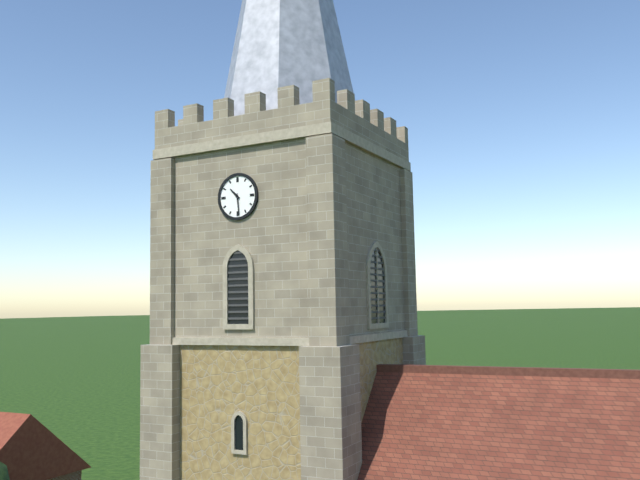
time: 10:29
